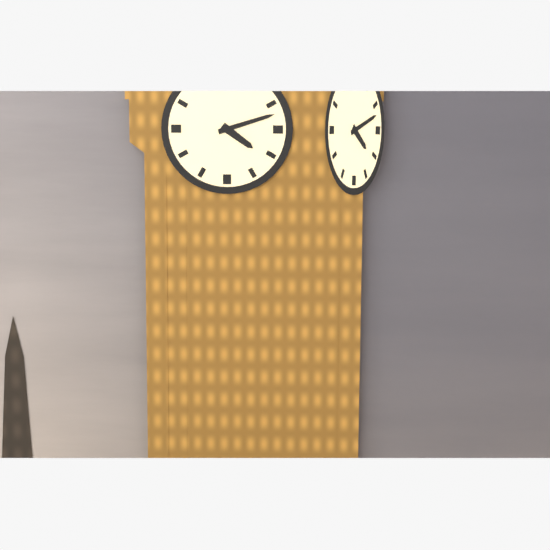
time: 4:12
